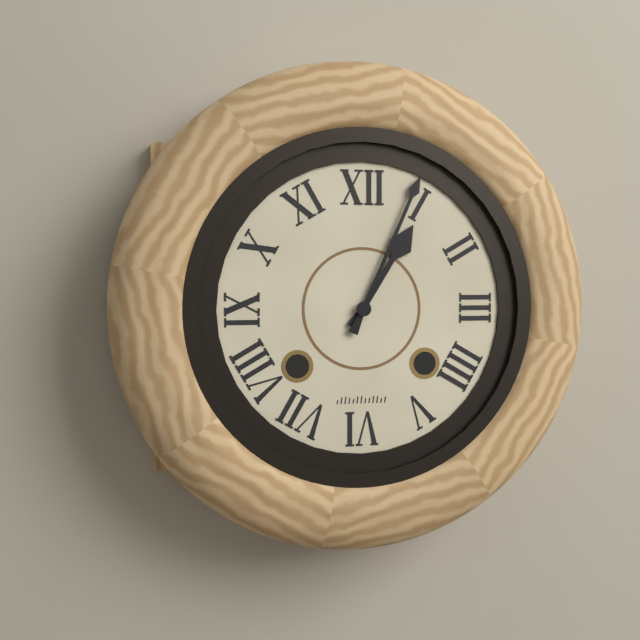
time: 1:04
